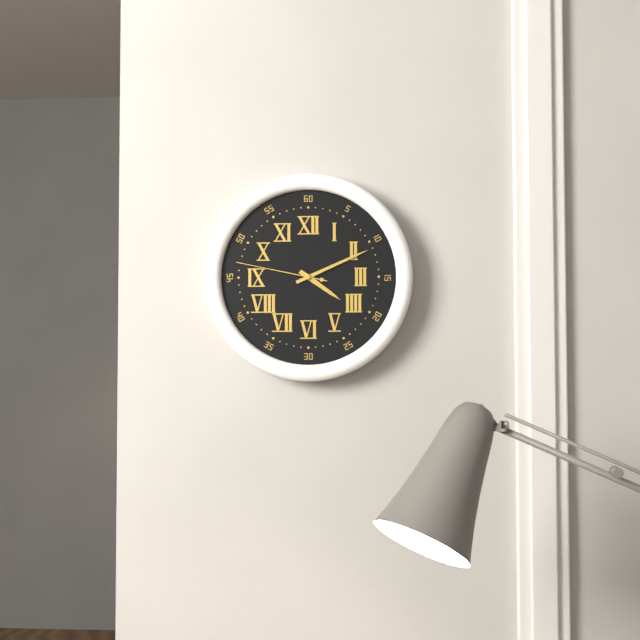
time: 4:11:47
